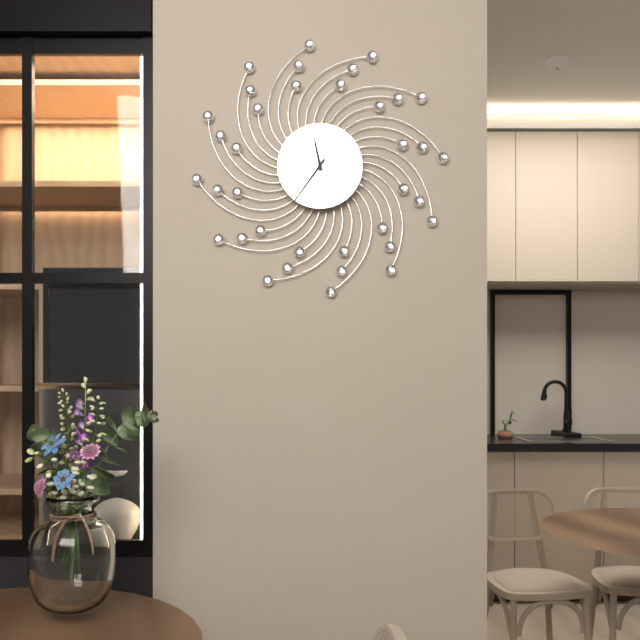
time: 11:36
